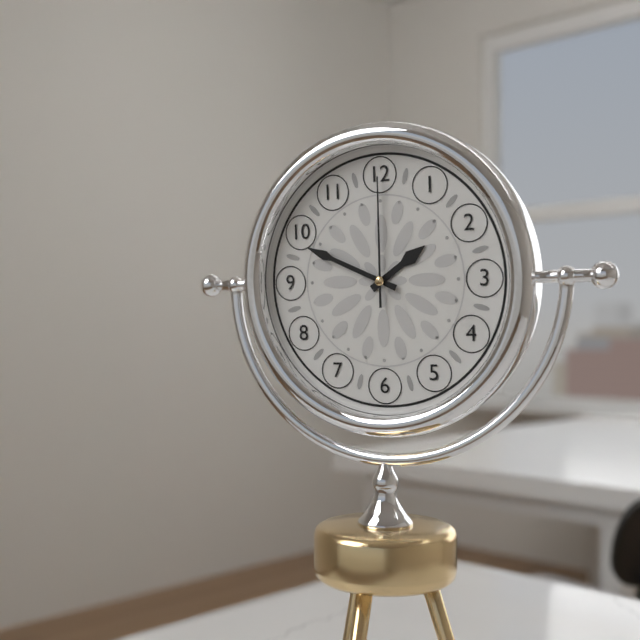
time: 1:49:00
